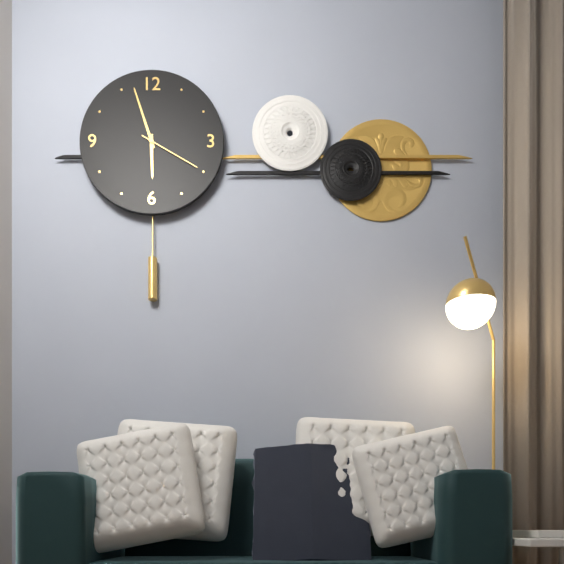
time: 5:57:20
